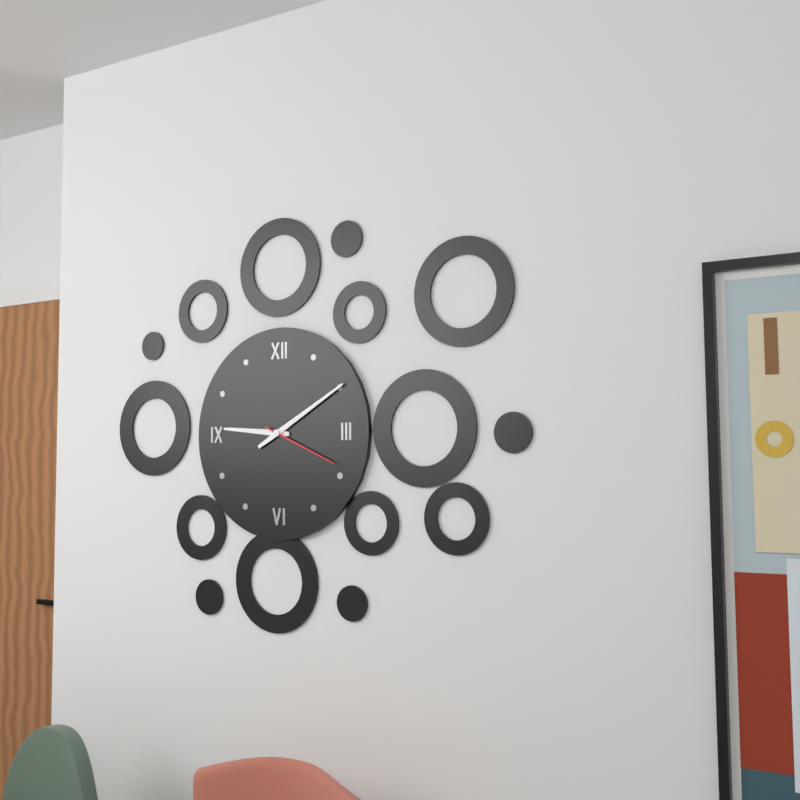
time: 9:10:19
